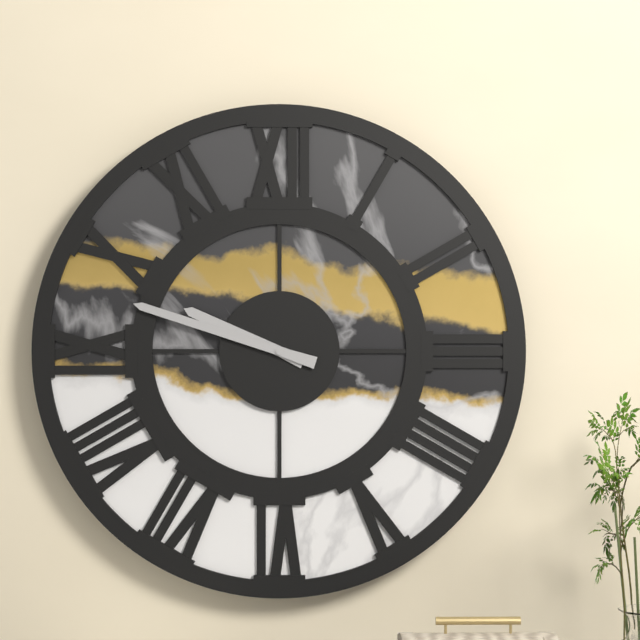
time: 9:48
